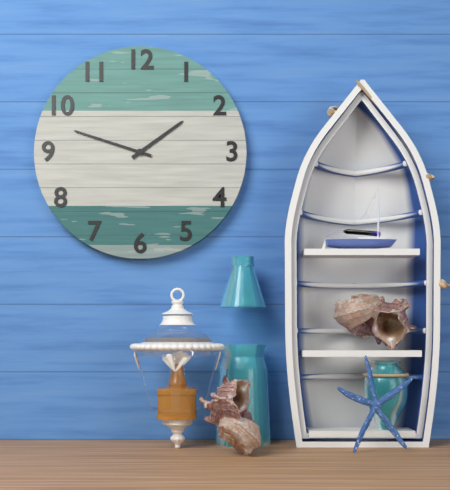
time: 1:48
